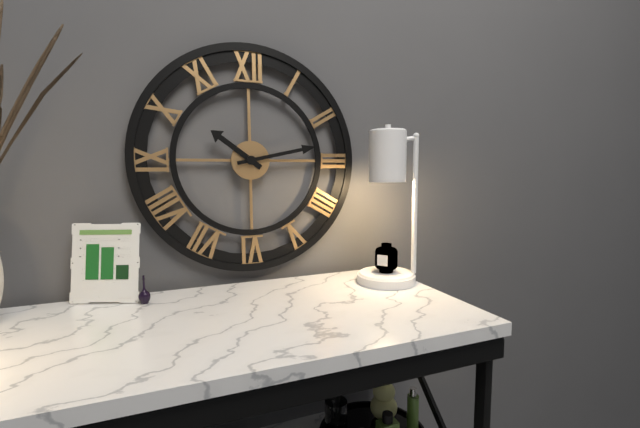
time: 10:13
